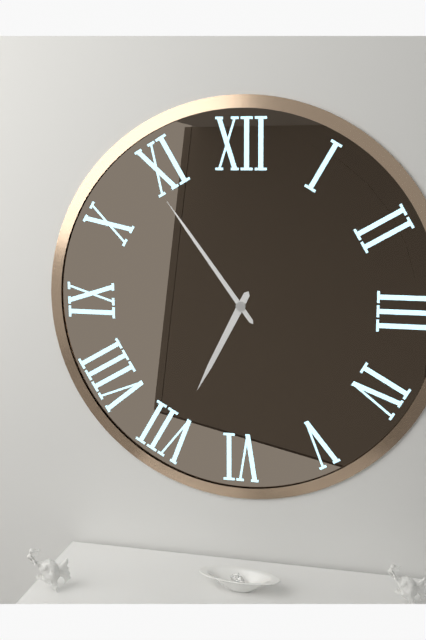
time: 6:54
